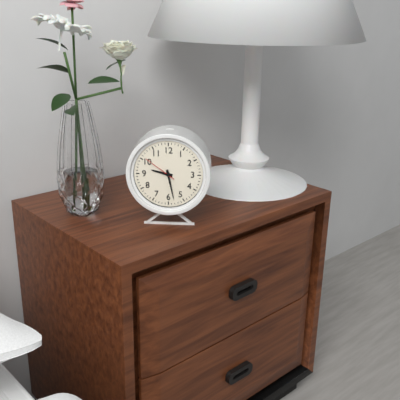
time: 9:28
